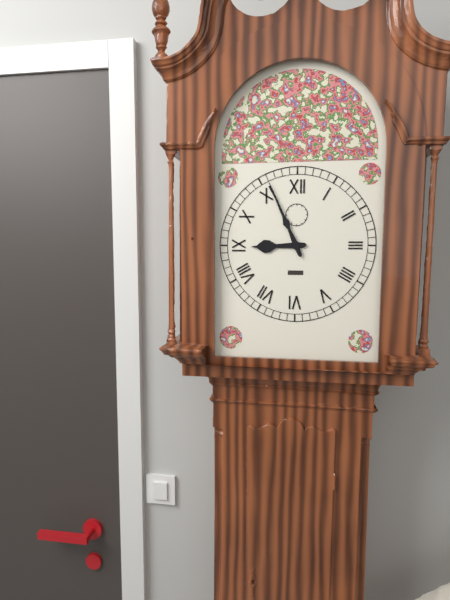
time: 8:56
